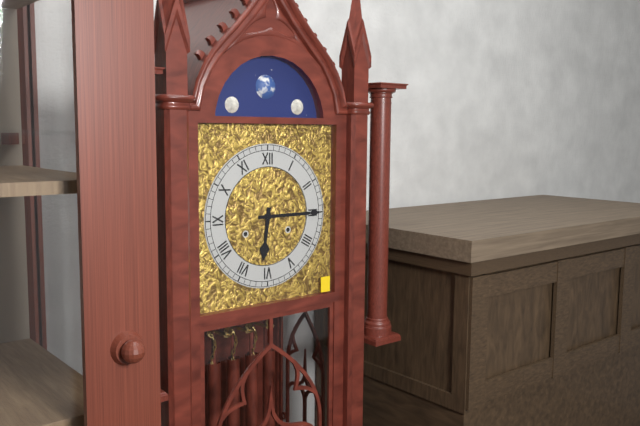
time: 6:15
